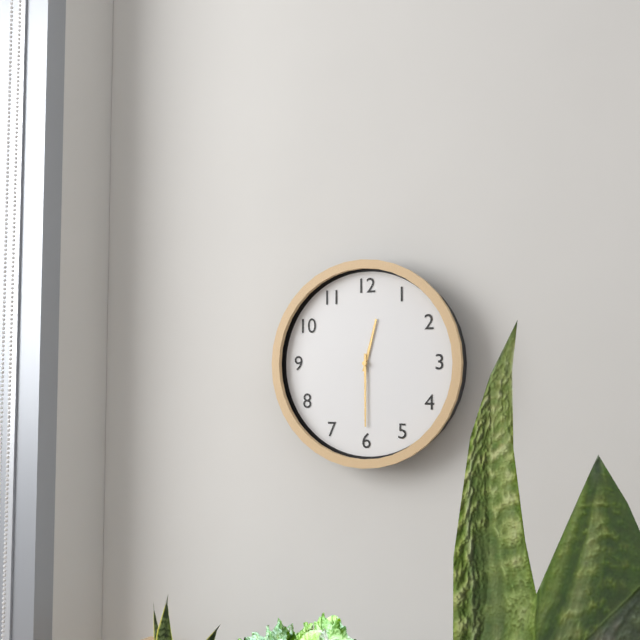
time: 12:30
